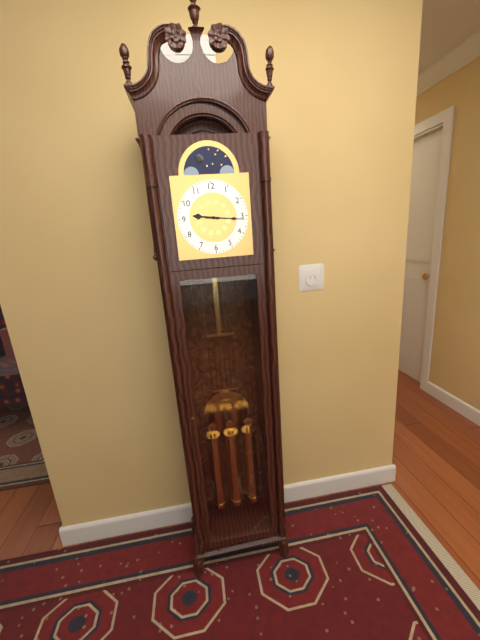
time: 9:16
